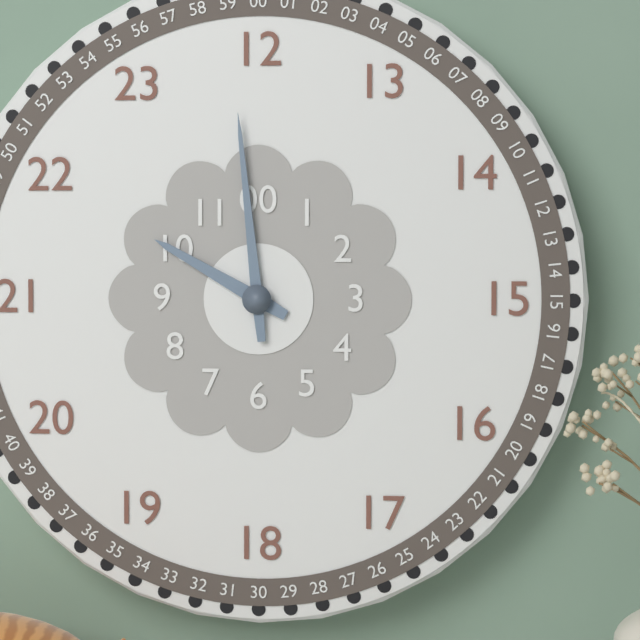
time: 9:59
